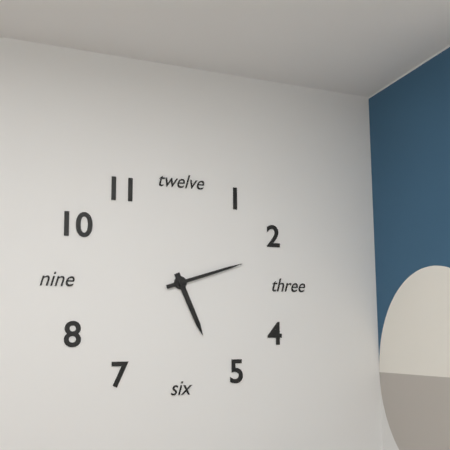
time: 5:12
